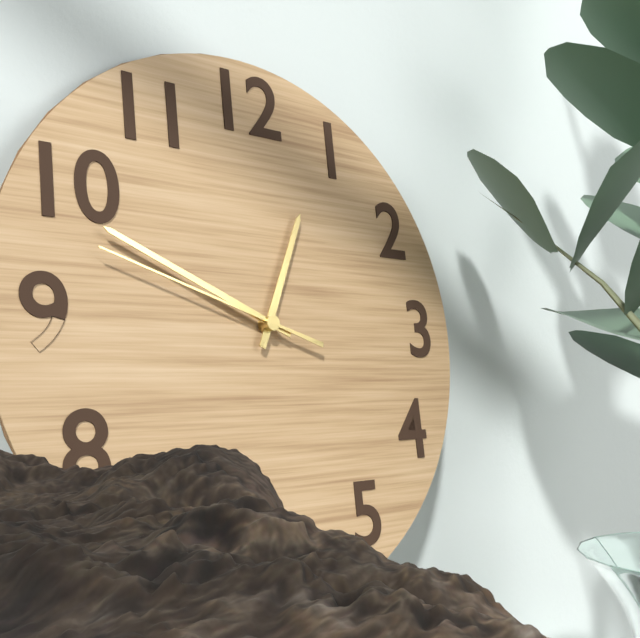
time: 12:49:48
